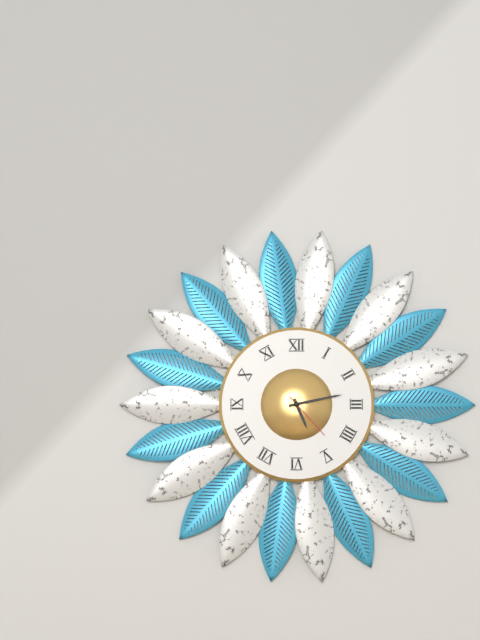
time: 5:13:23
